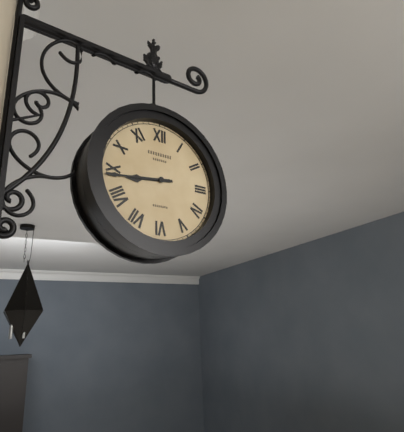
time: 8:44
